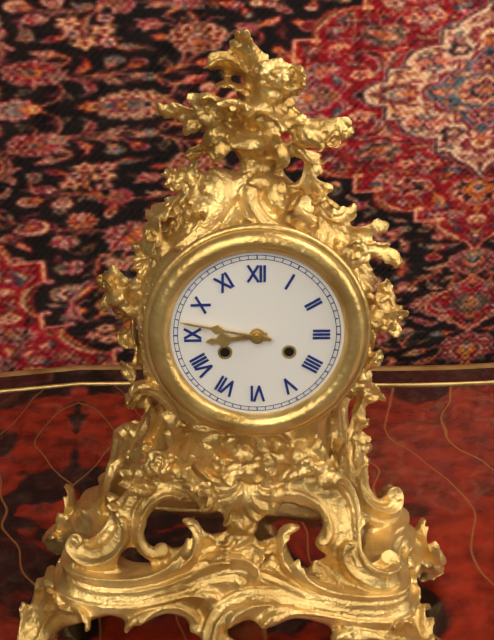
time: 8:47
